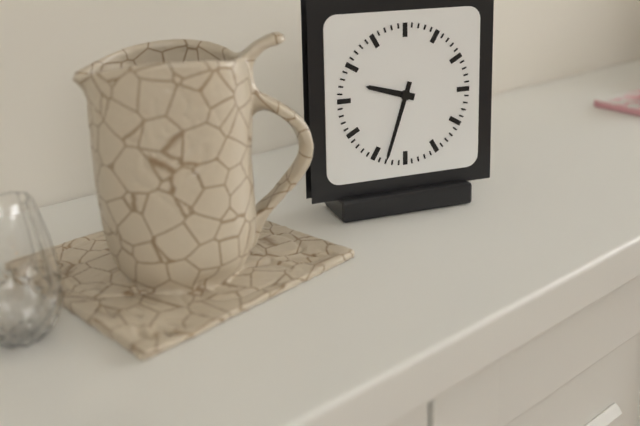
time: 9:33
